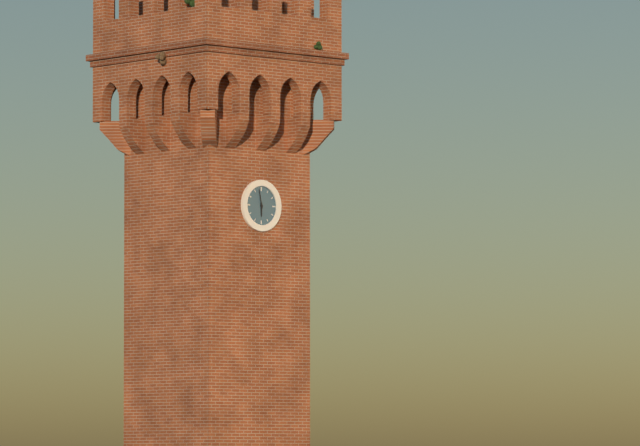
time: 5:58
